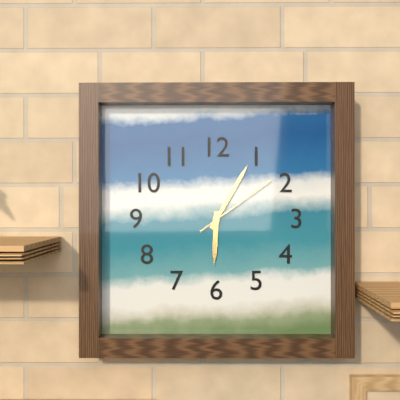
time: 6:05:09
